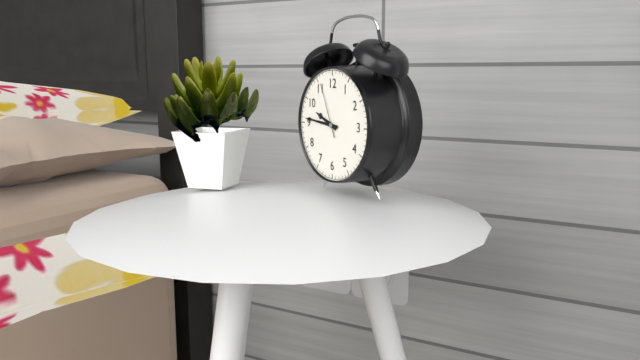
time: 9:46:56
